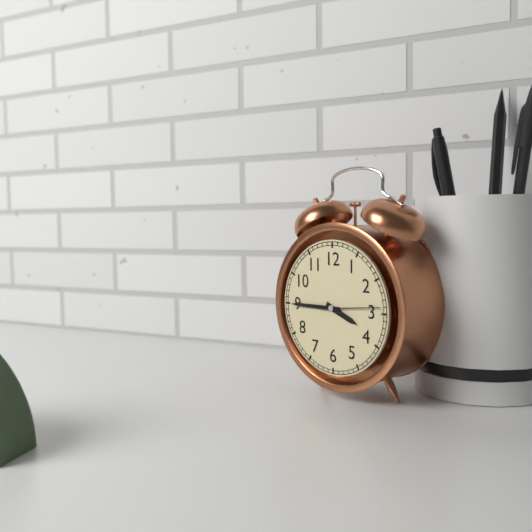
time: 3:45:14
